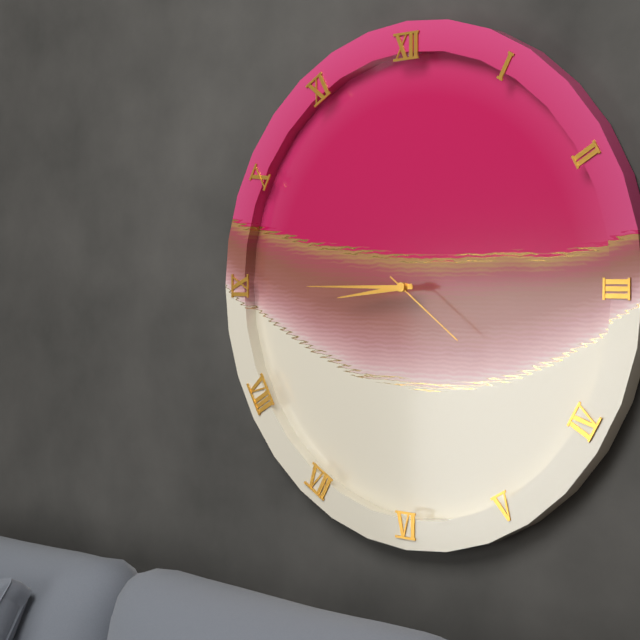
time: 8:45:21
